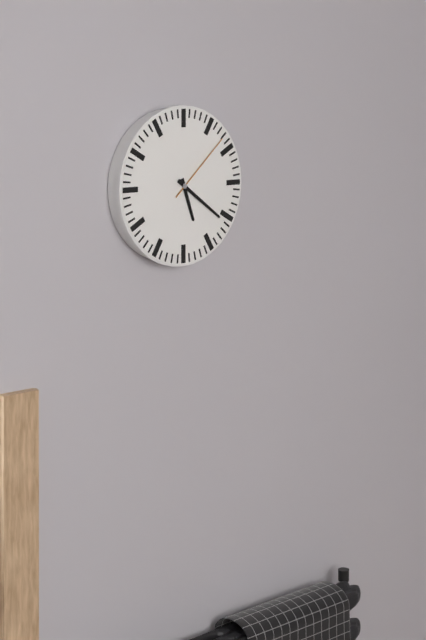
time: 5:21:08
